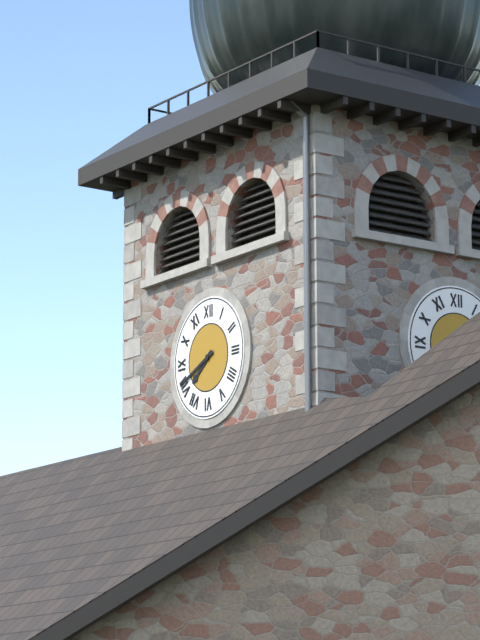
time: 7:41
